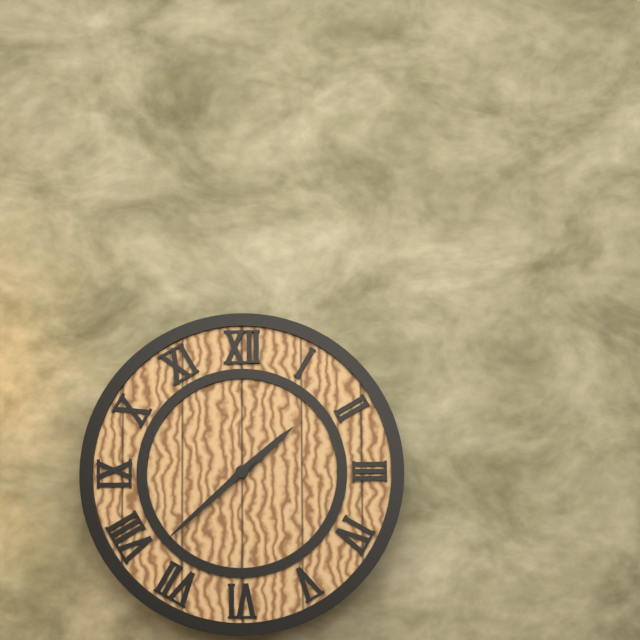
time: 1:38
